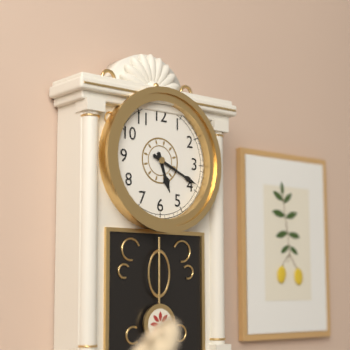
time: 5:19
